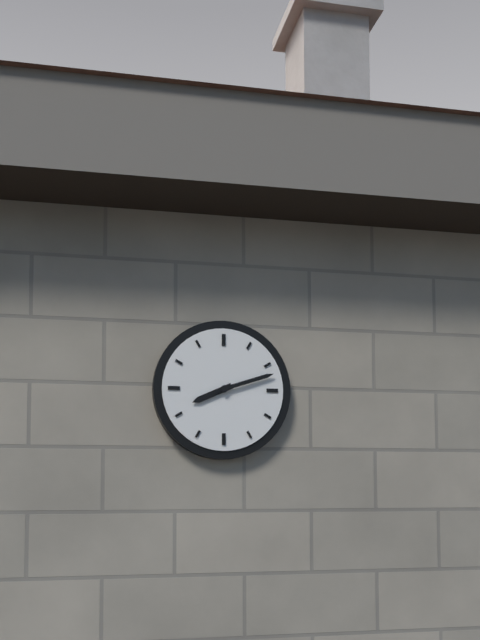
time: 8:12
